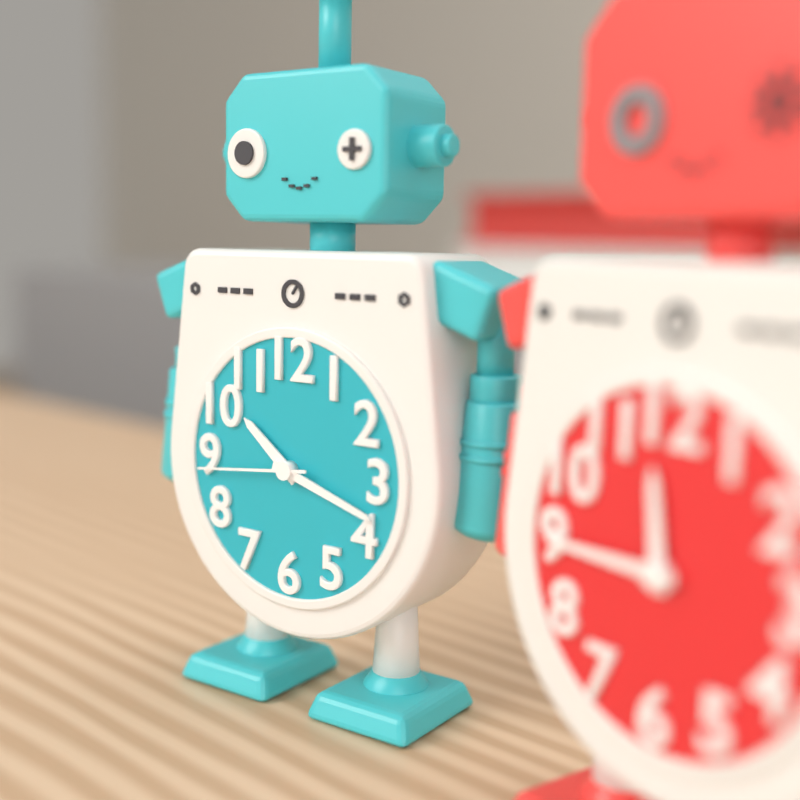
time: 10:18:44
